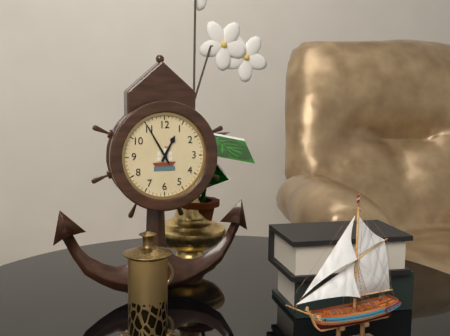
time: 12:55
